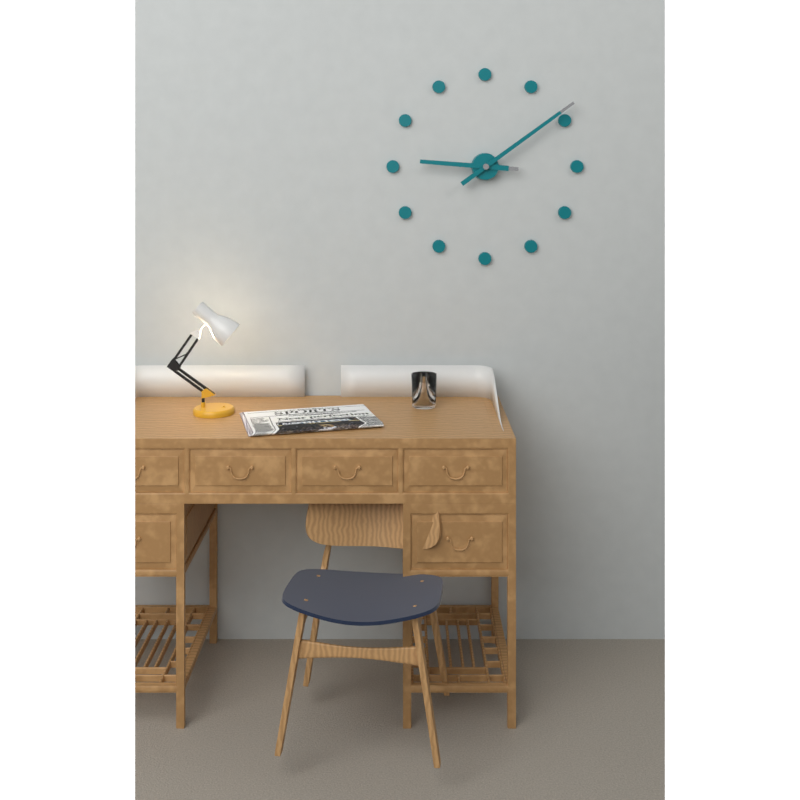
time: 9:09
